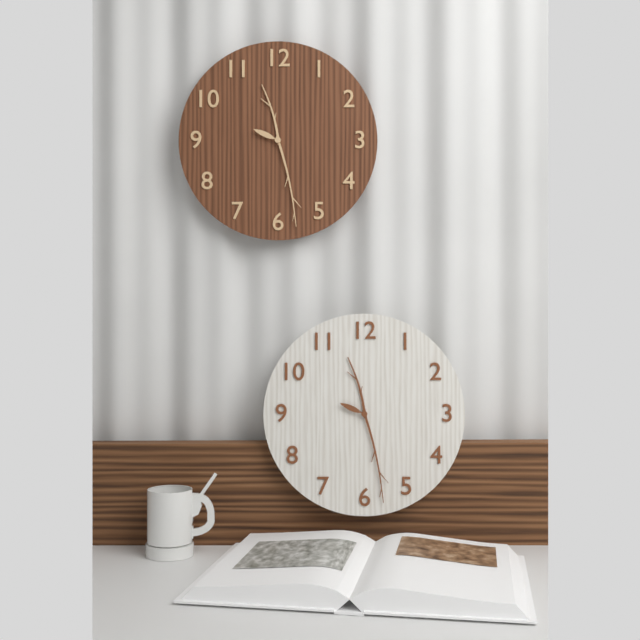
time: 11:28
